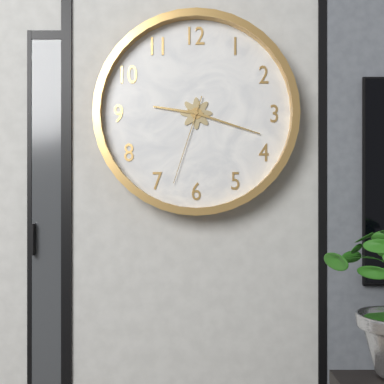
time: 9:18:33
